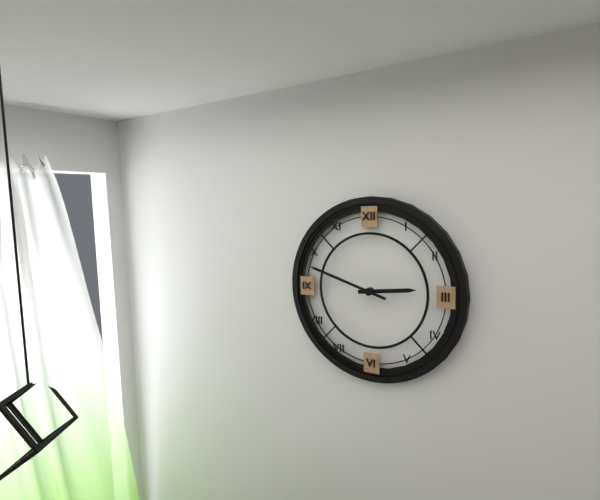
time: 2:48
